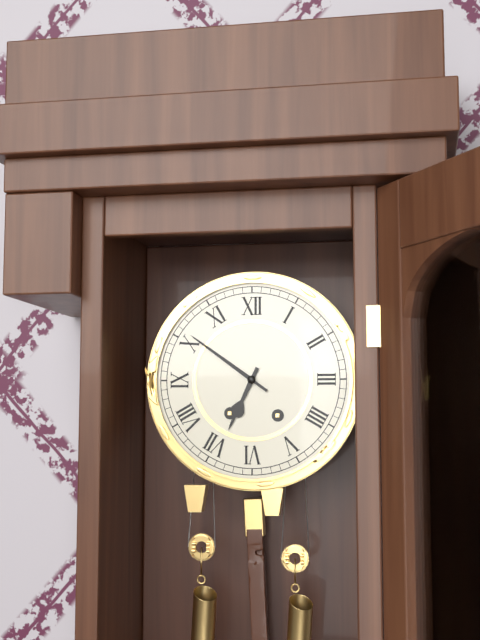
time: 6:51
